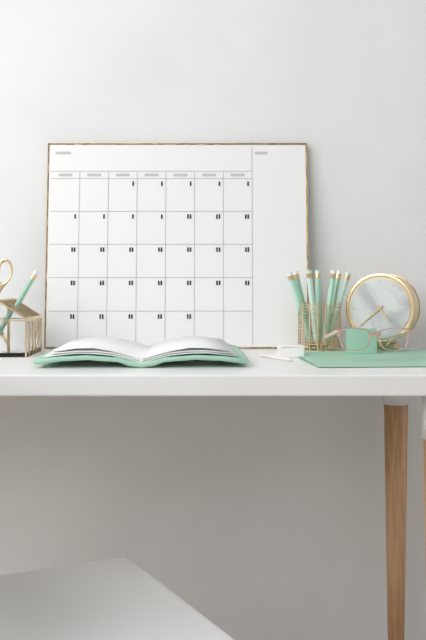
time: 4:38
